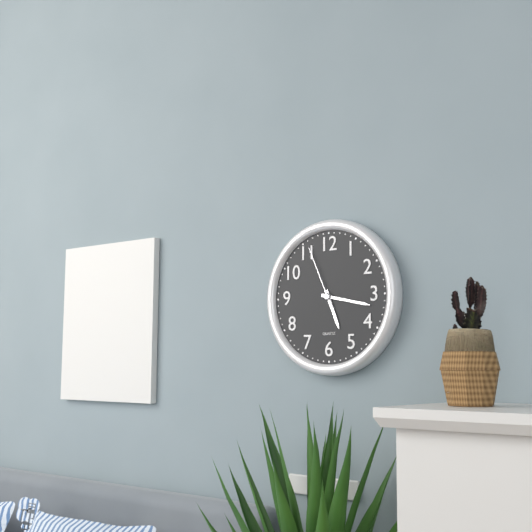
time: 5:17:56
